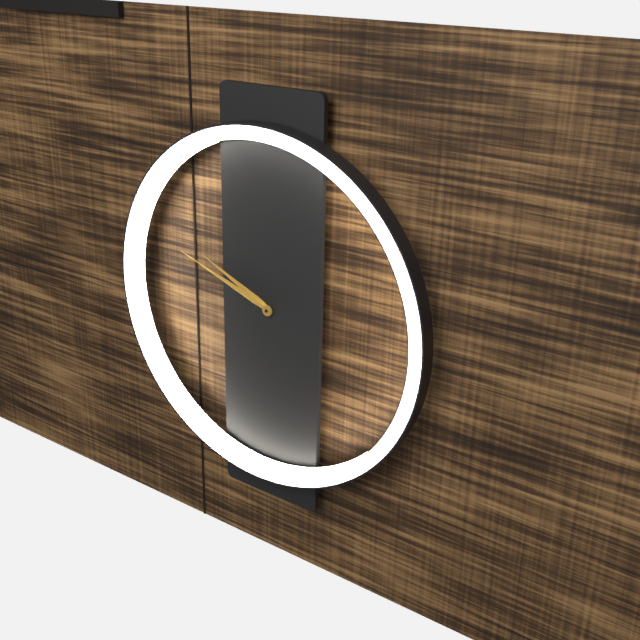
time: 9:48
